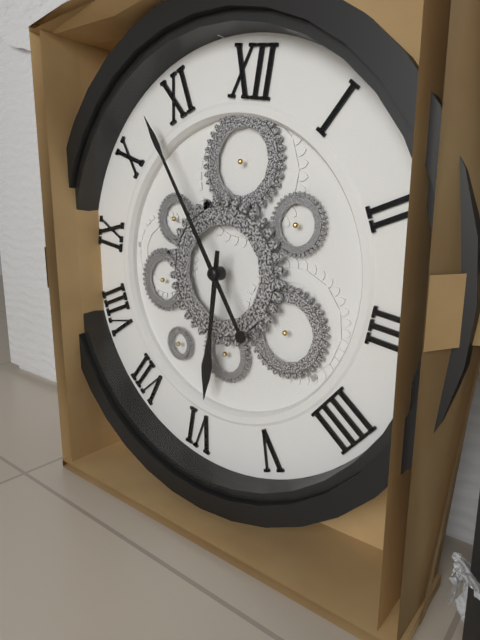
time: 5:53
